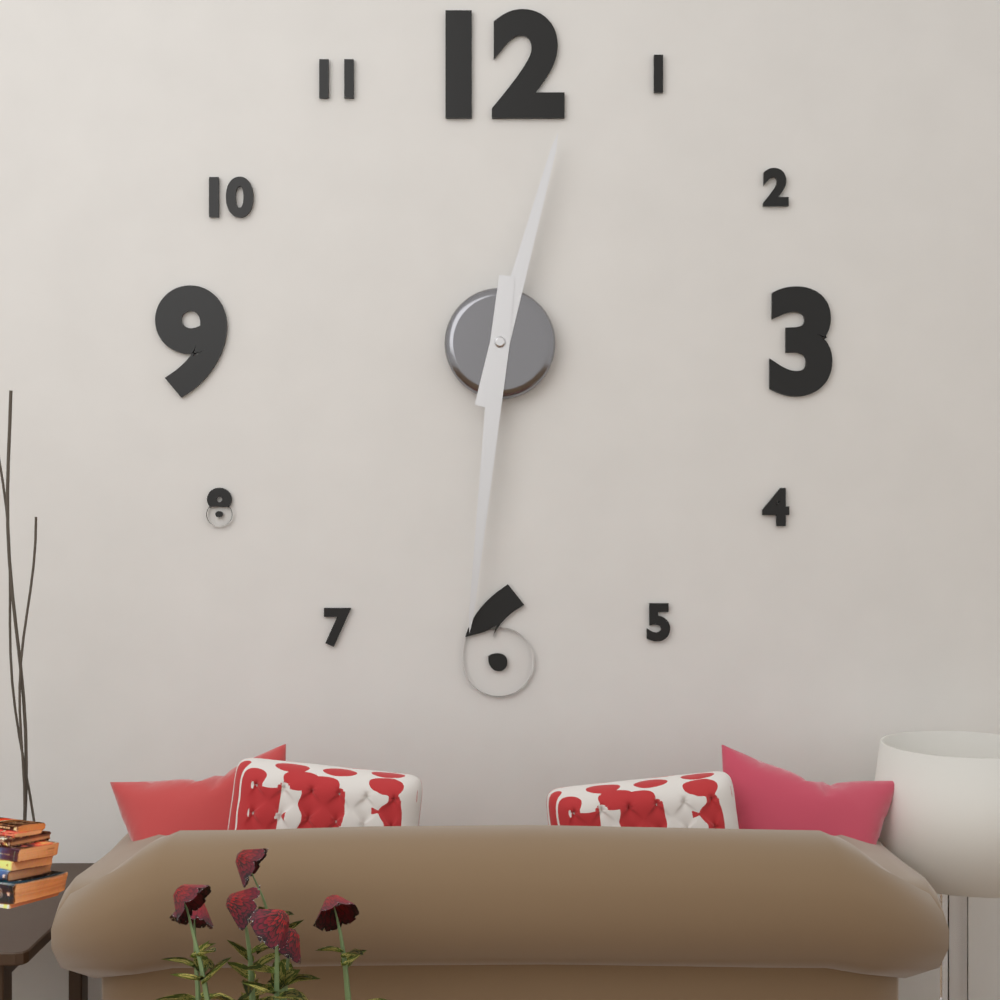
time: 12:31
